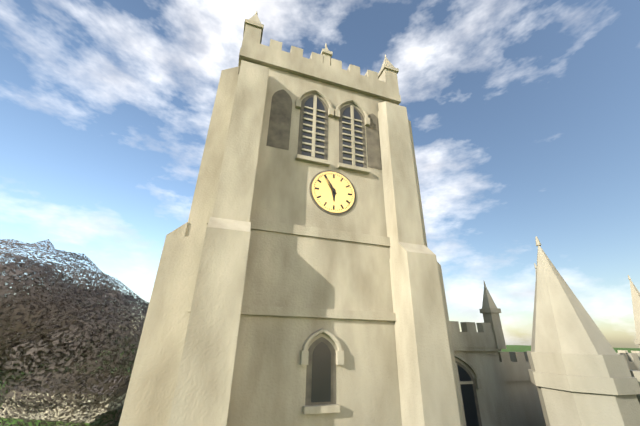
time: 5:55
